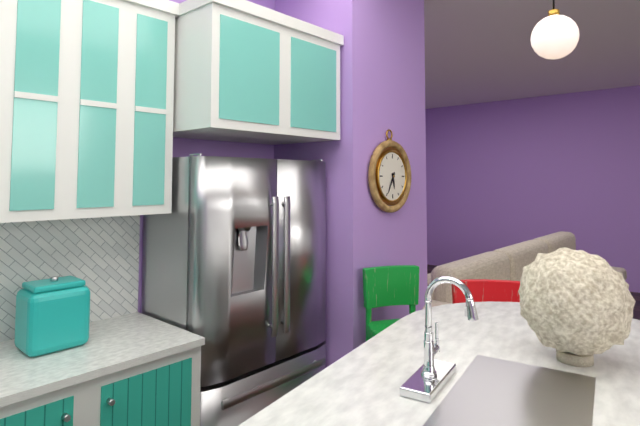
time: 5:35
